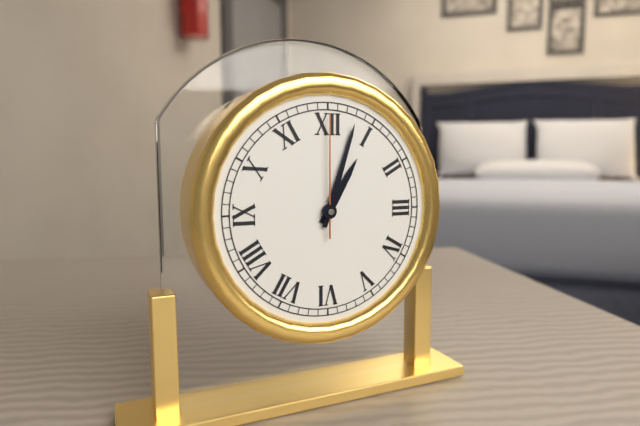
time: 1:03:00
